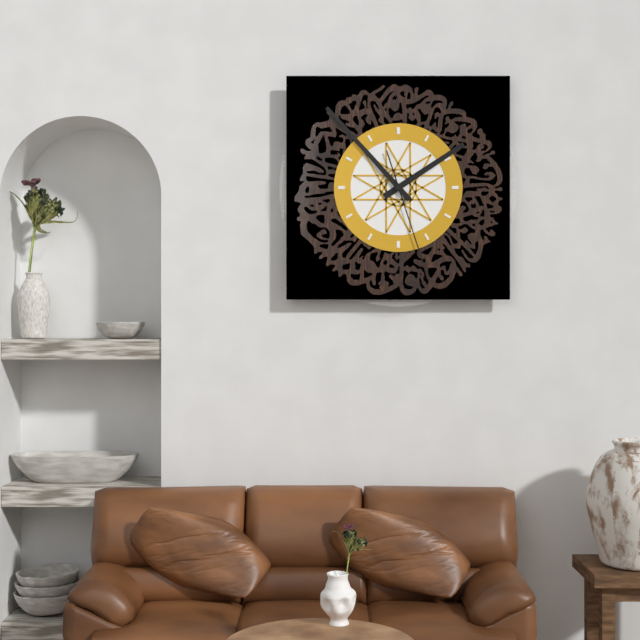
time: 1:53:27
